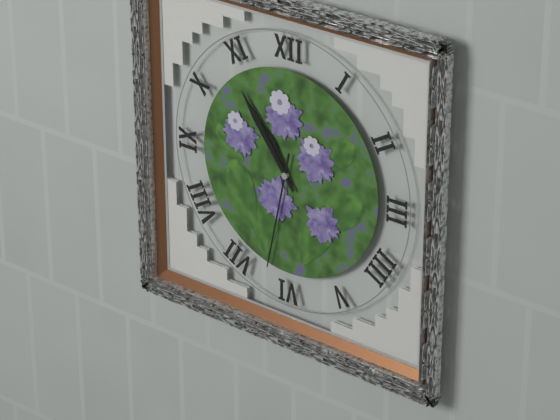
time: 10:54:32
